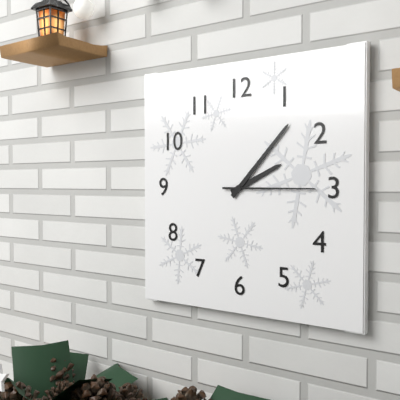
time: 2:07:15
